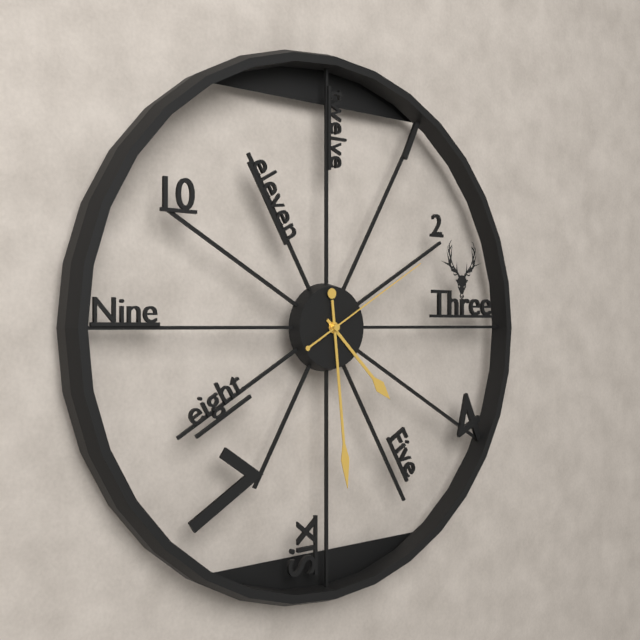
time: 4:29:10
